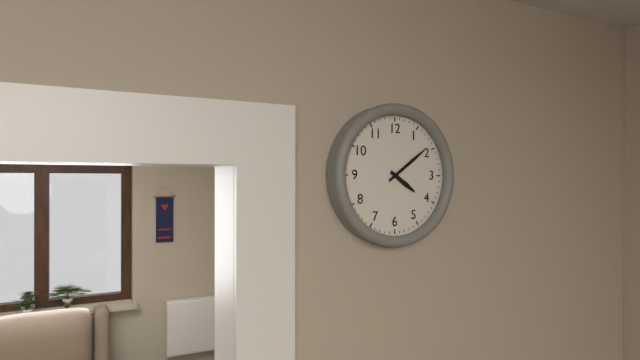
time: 4:09
